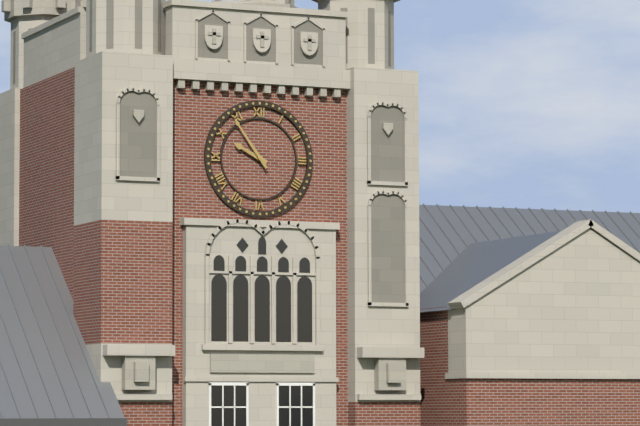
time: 9:54
